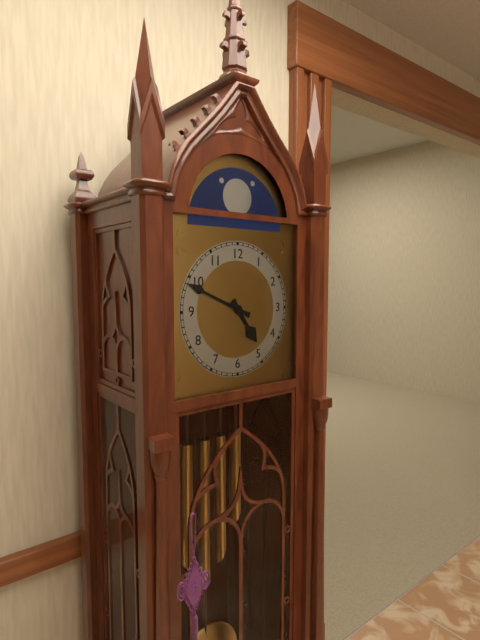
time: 4:49
